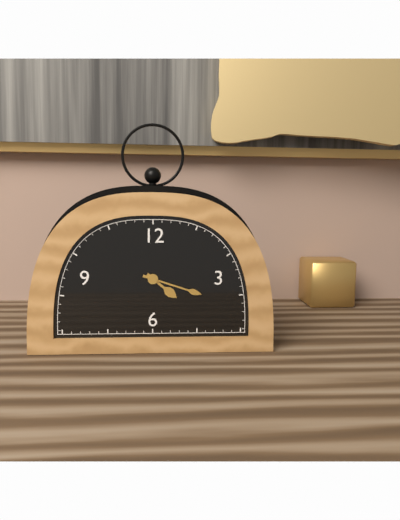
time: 4:18
